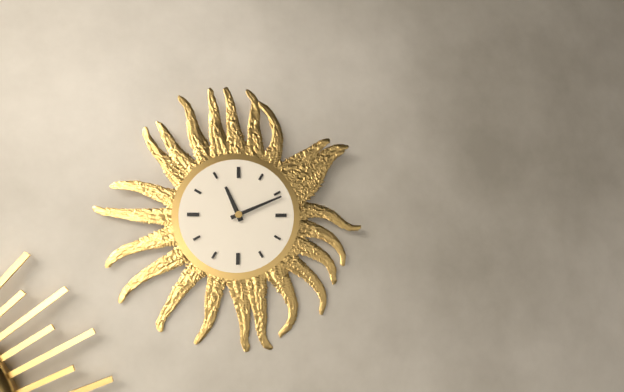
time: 11:11
